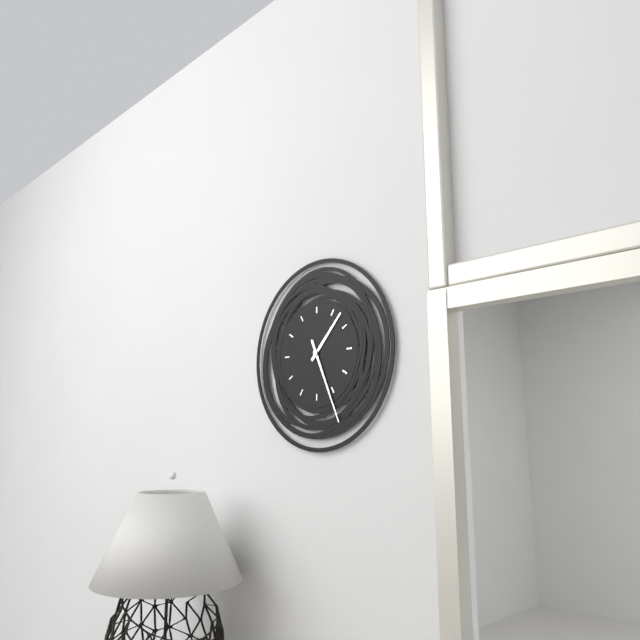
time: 1:26:26
